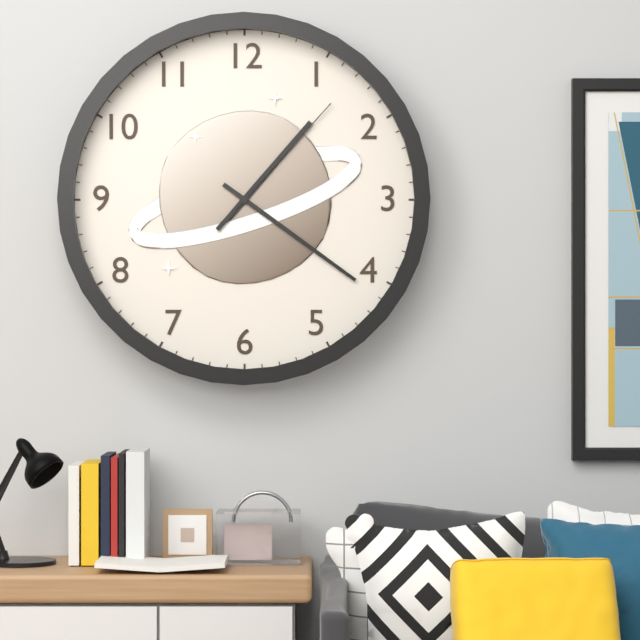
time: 1:21:07
